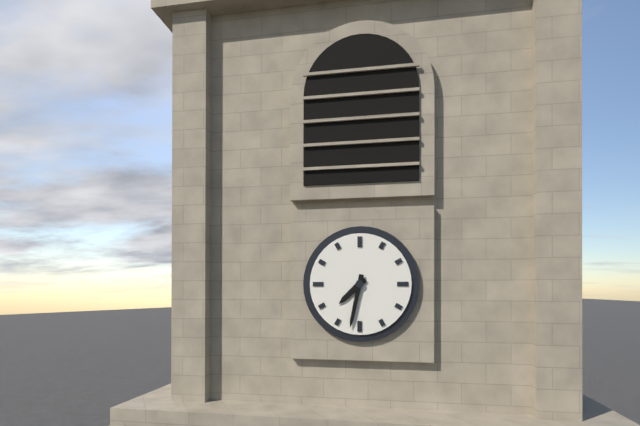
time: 7:32
